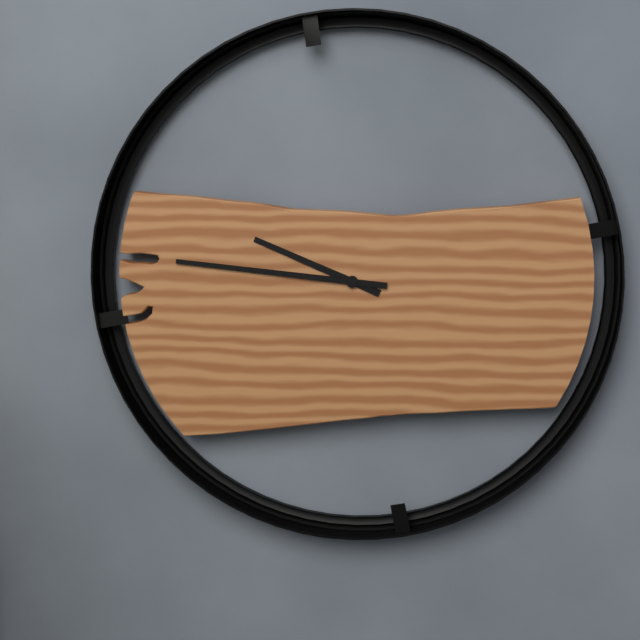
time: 9:46
